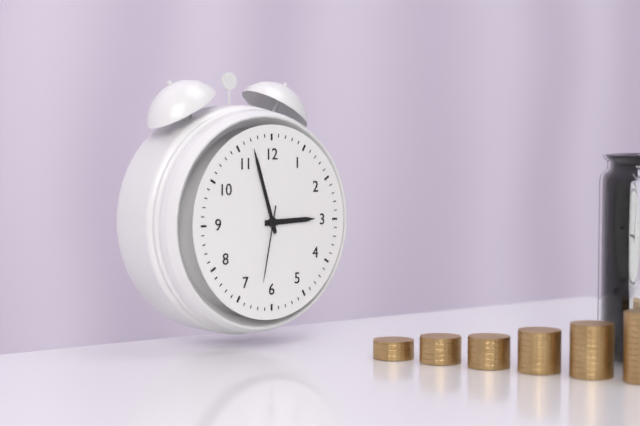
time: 2:57:32
